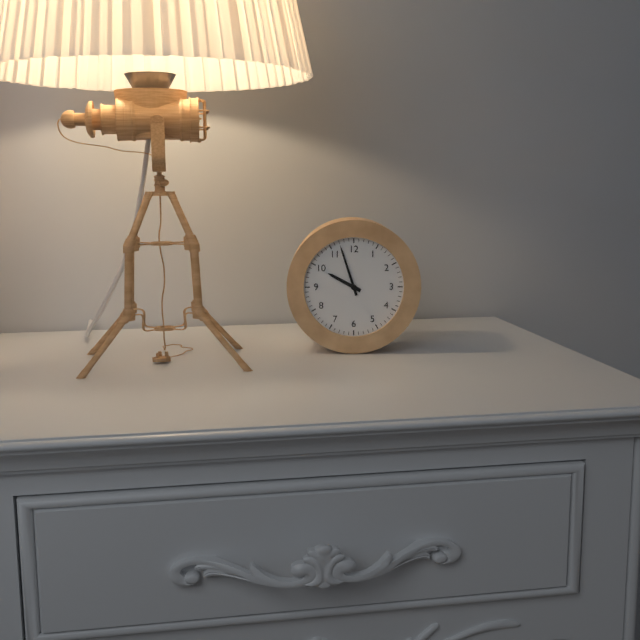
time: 9:57
